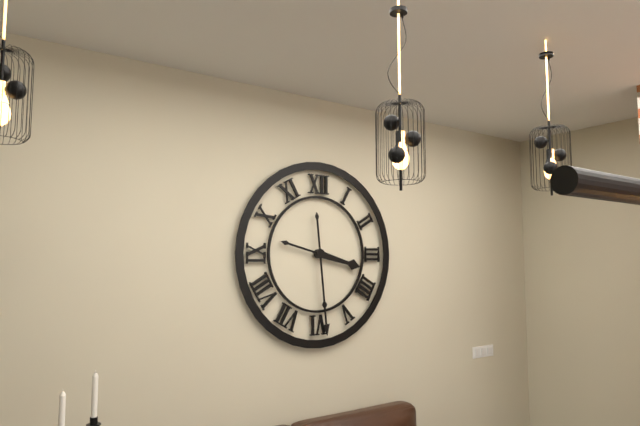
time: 3:29
